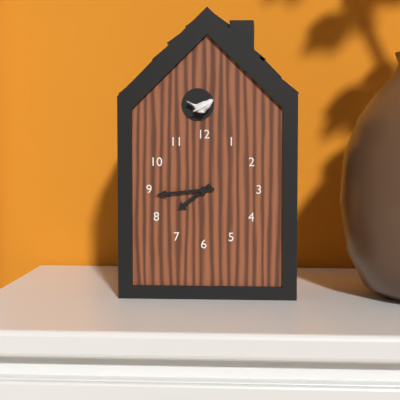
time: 7:44
